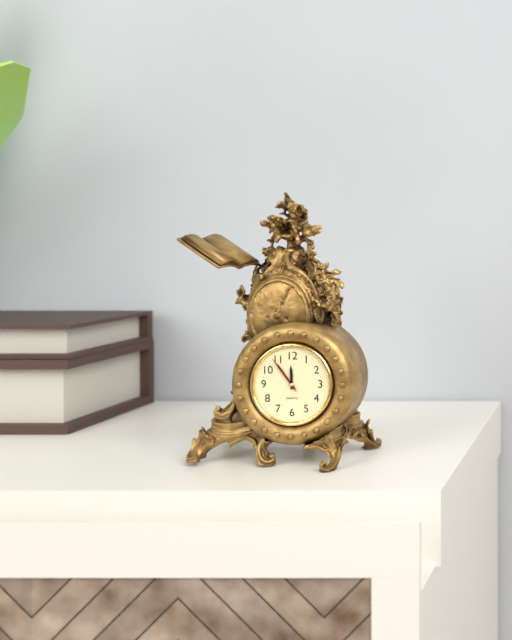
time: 11:54
